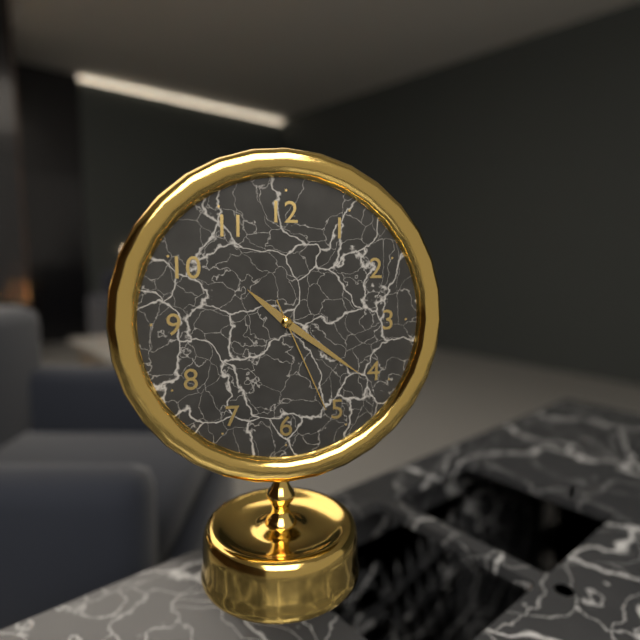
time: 10:21:26
